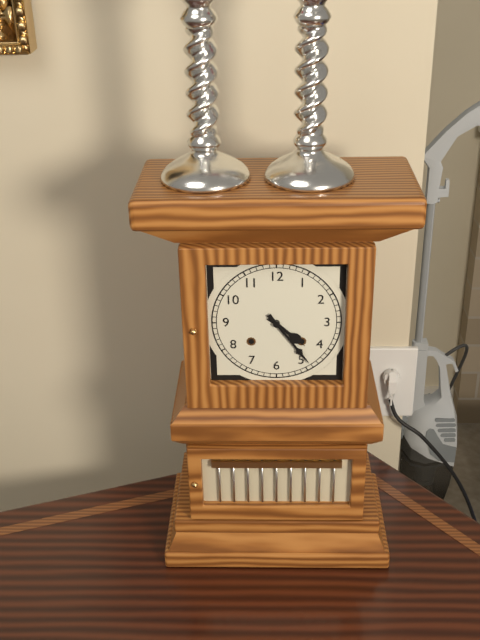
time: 4:24
